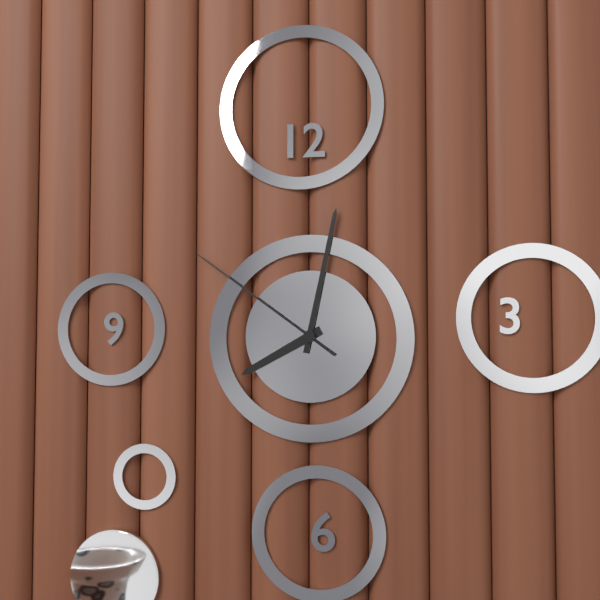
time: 8:02:51
